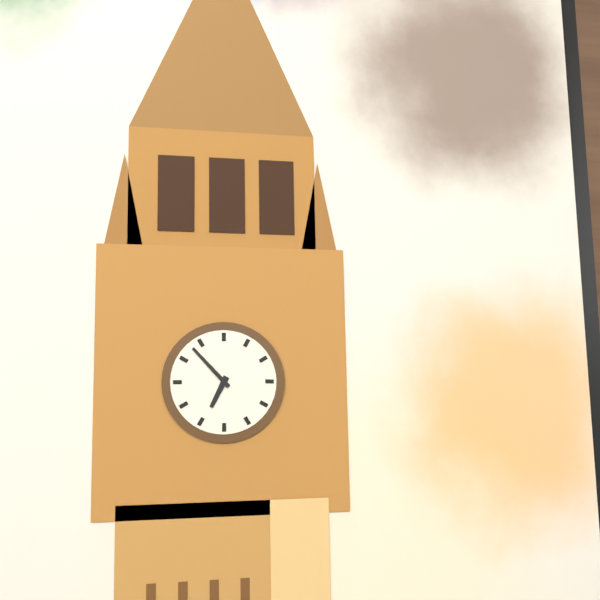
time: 6:53
